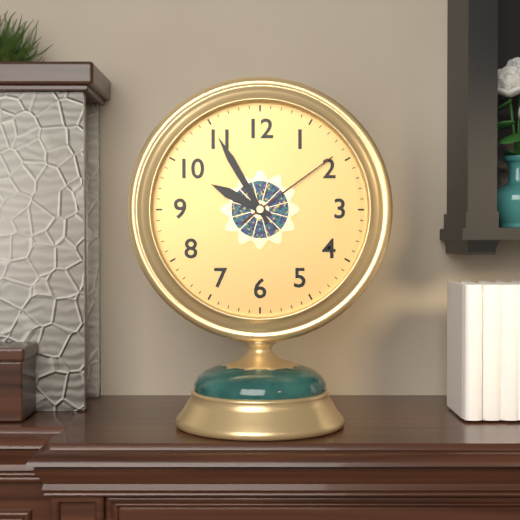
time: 9:55:09
